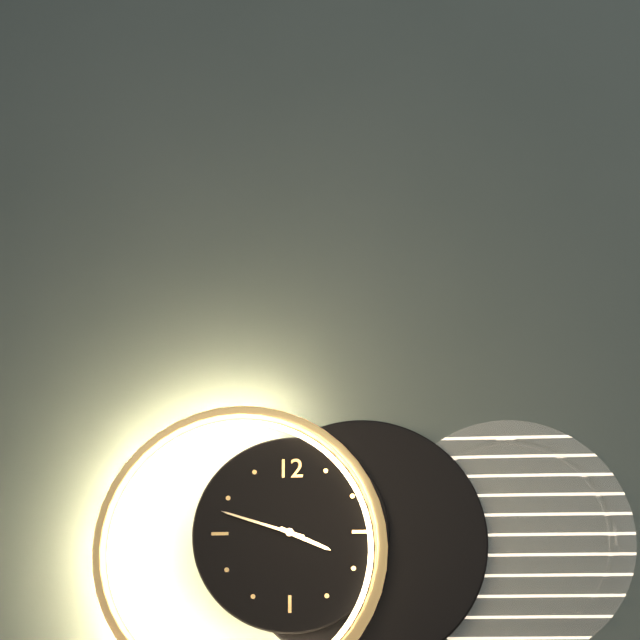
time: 3:48
